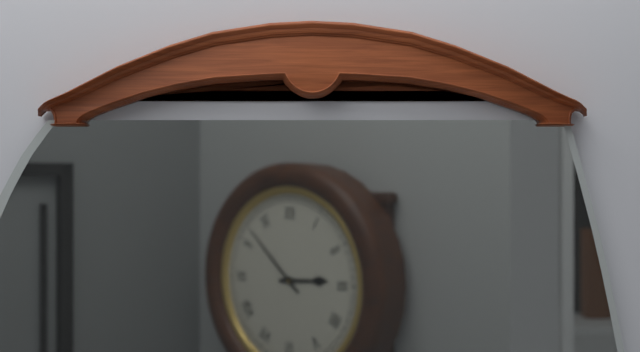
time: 2:52
